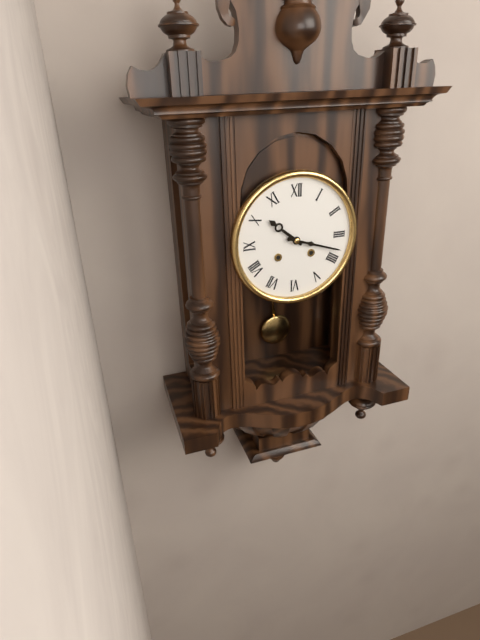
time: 10:18
